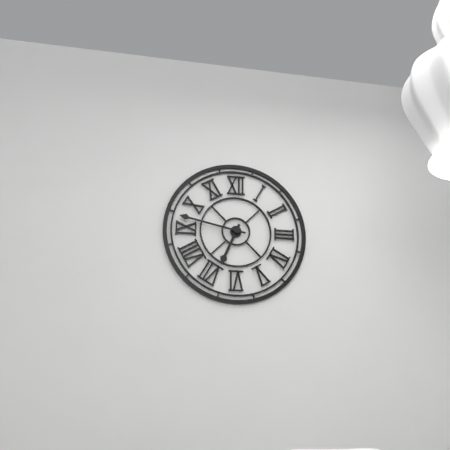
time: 6:47
